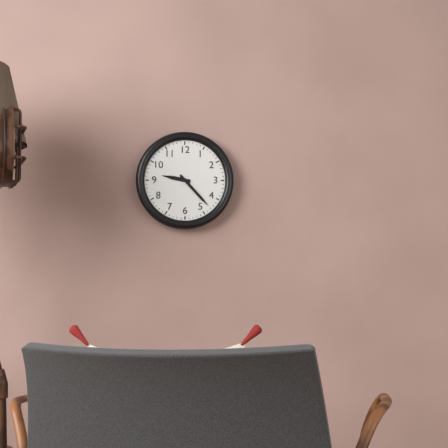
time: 9:23
